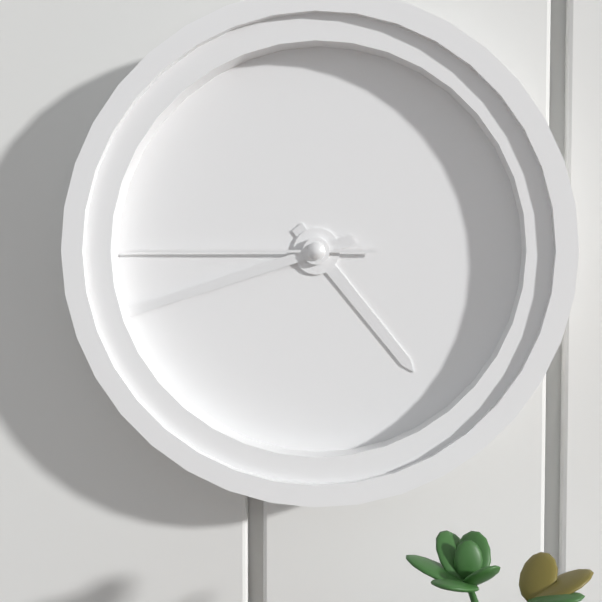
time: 4:42:45
